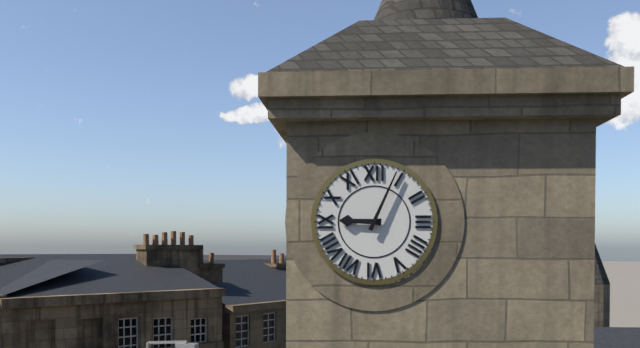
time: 9:04
